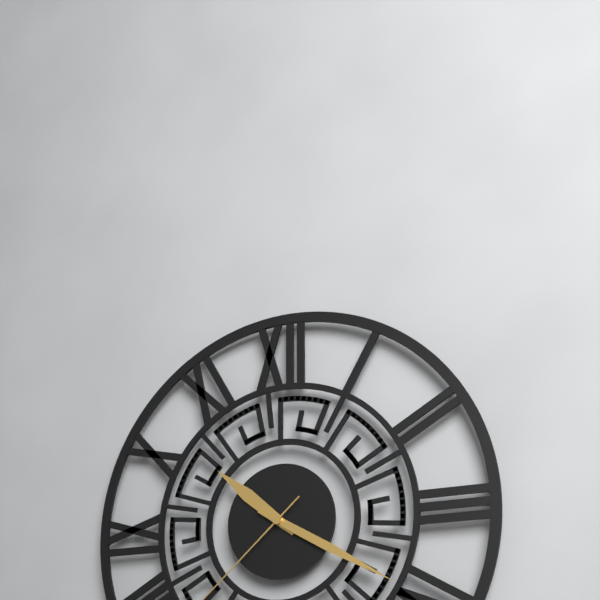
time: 10:20
